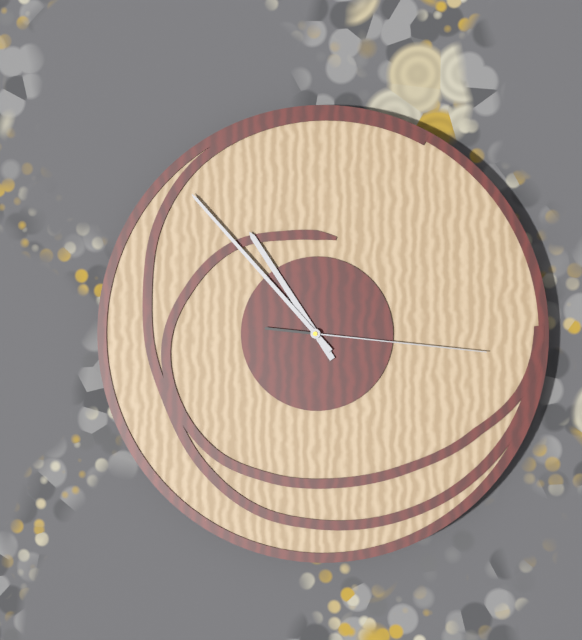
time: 10:53:16
